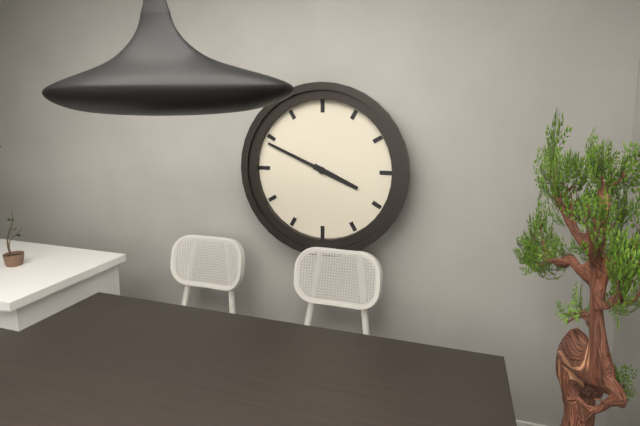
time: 3:49
